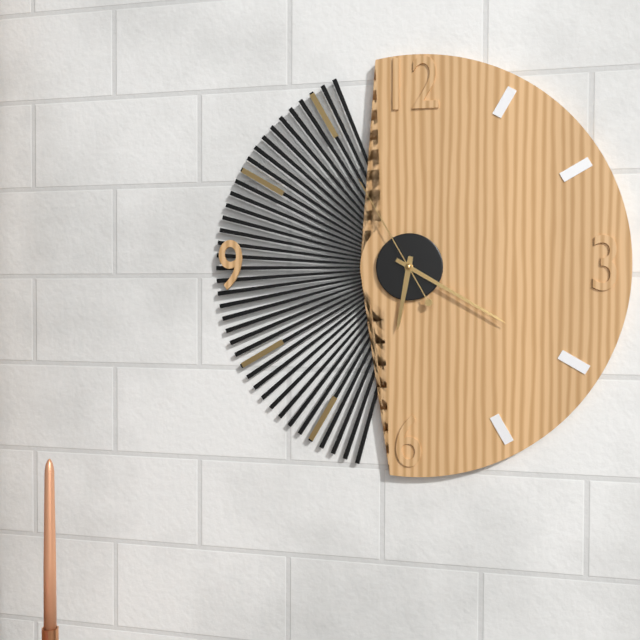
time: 6:20:55
